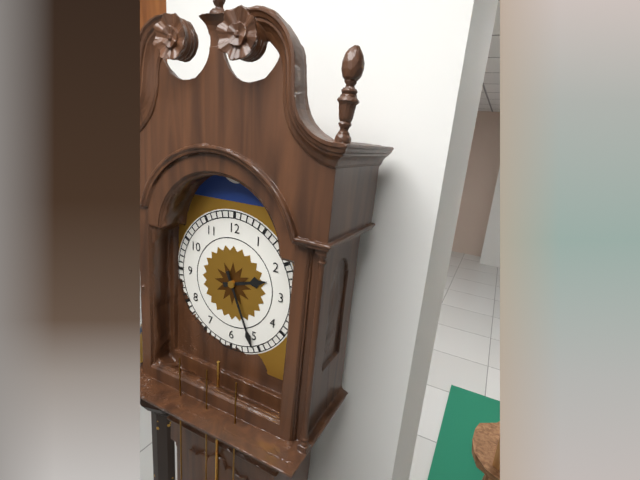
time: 2:26
